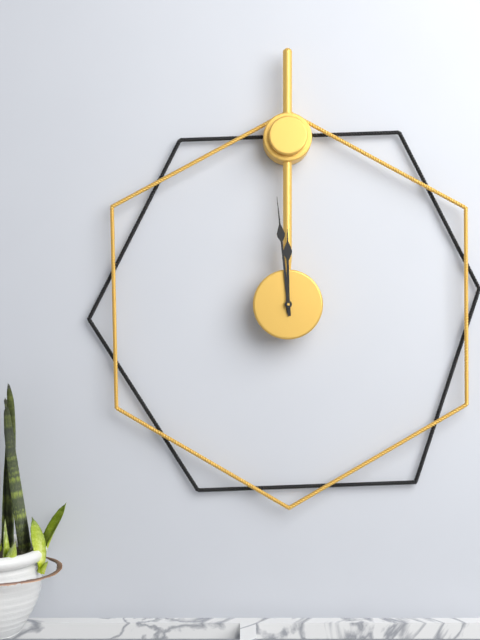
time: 11:59
